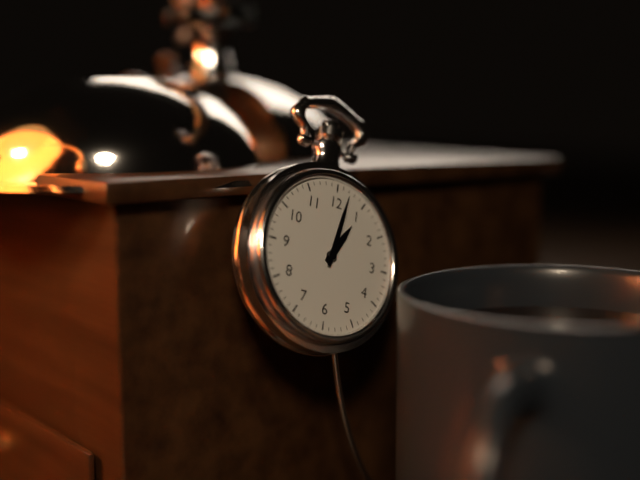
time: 1:02
